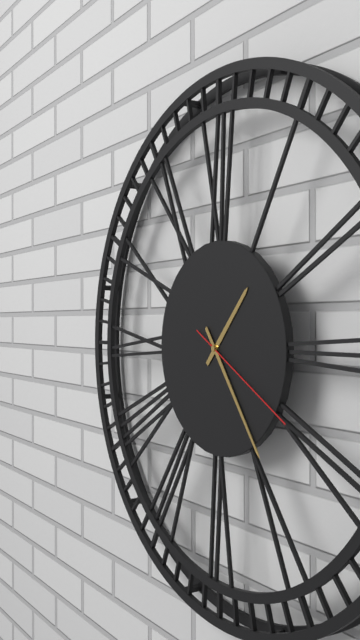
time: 1:24:20
